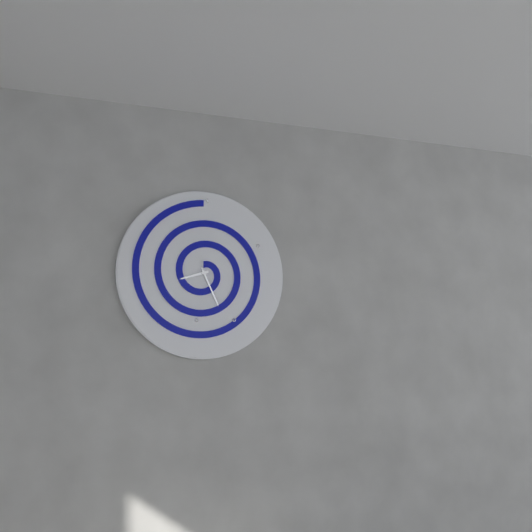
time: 8:26
